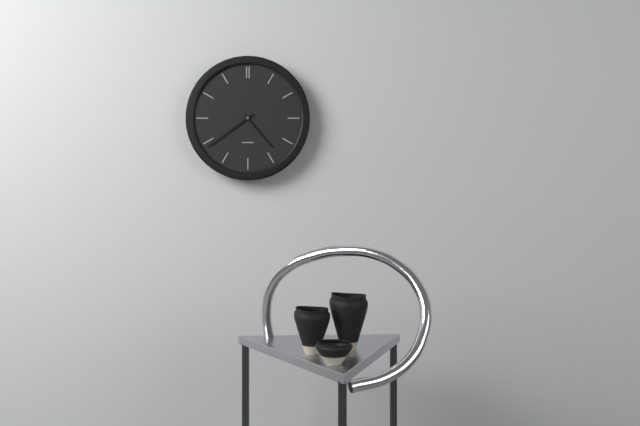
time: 4:39
